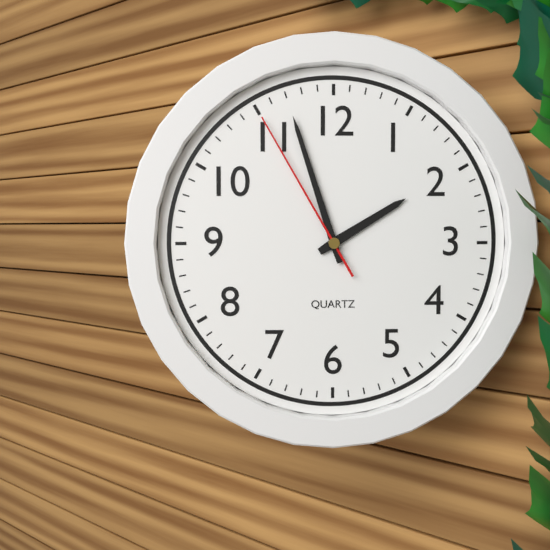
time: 1:57:55
